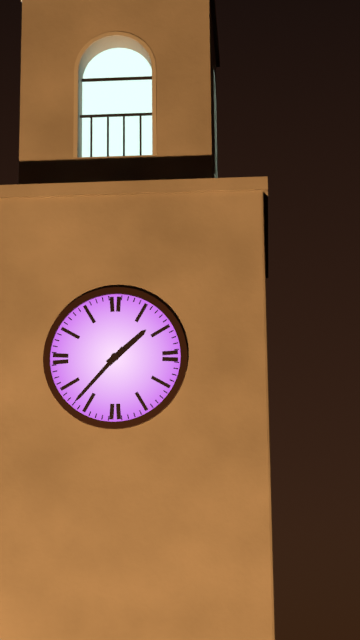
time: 1:37
